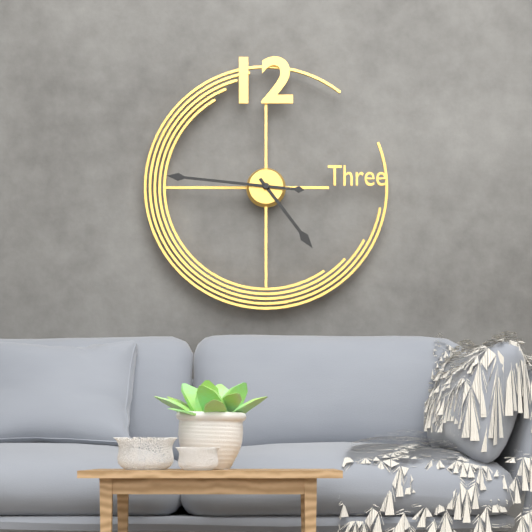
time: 4:46
